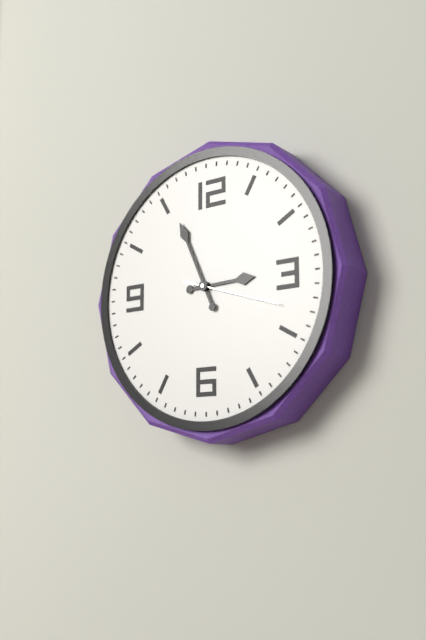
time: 2:56:18
